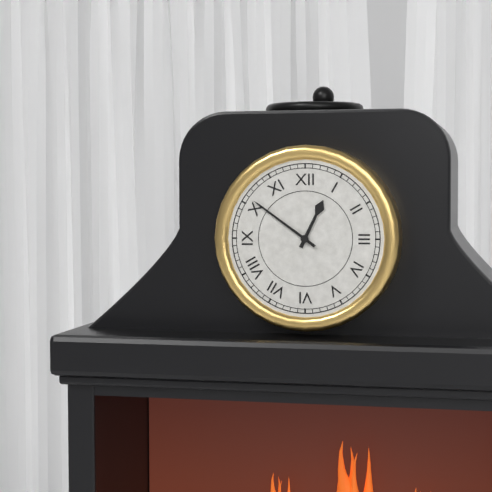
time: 12:51
